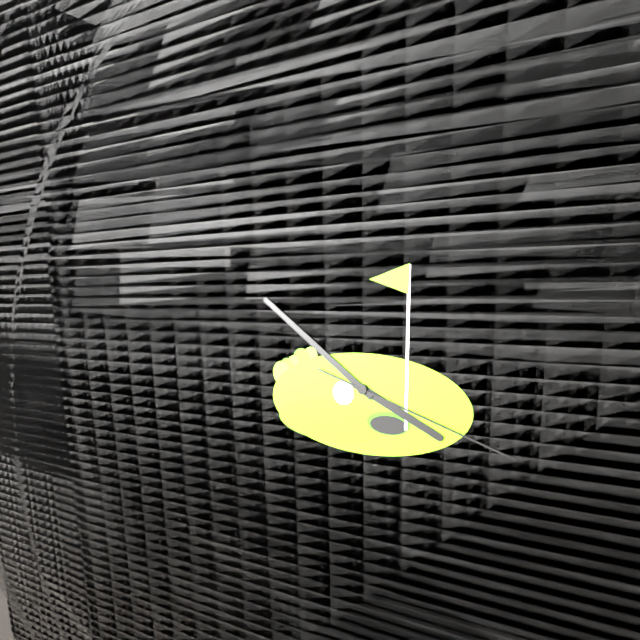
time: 3:51:18
